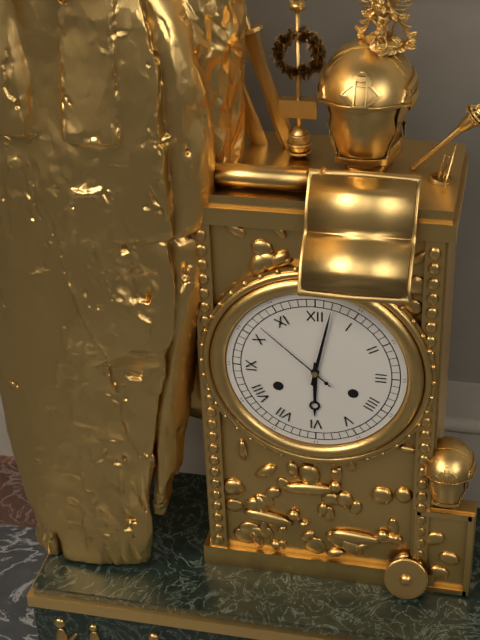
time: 6:02:52
